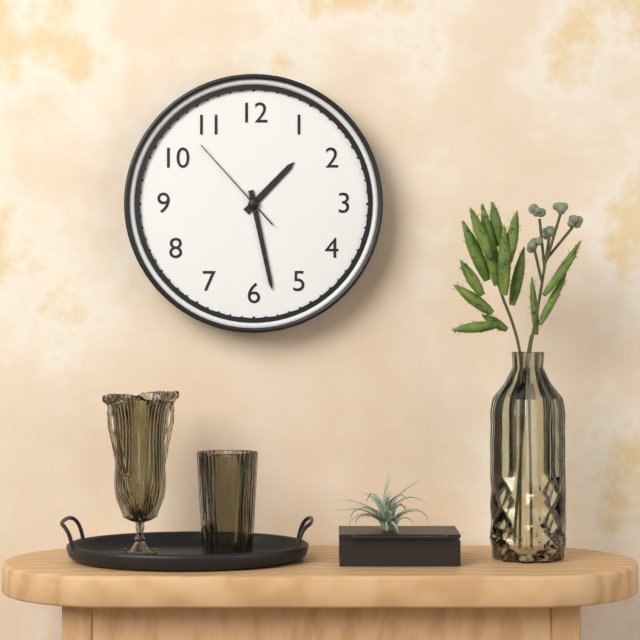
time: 1:28:53
